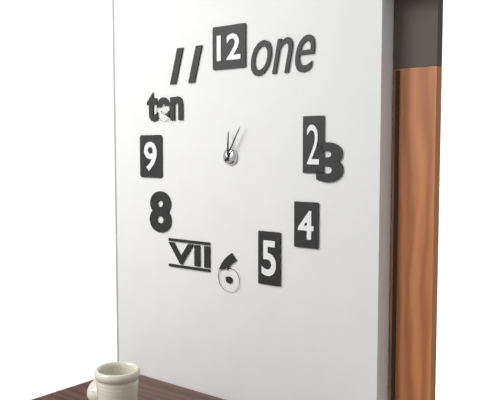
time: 12:05
